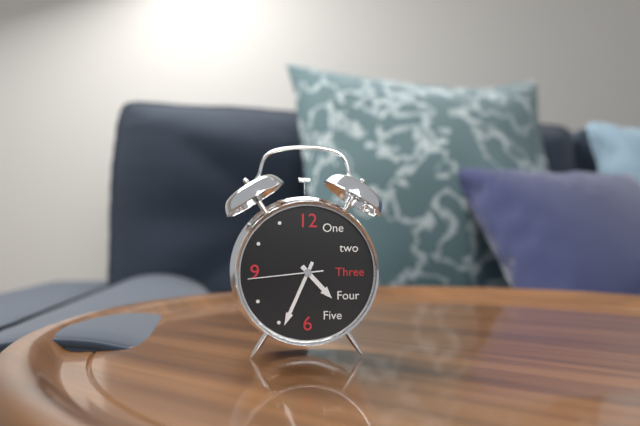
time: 4:34:44
